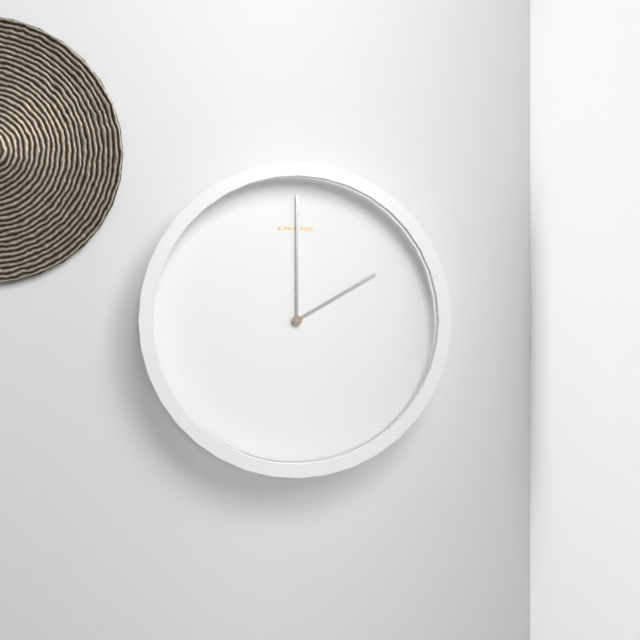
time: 2:00
